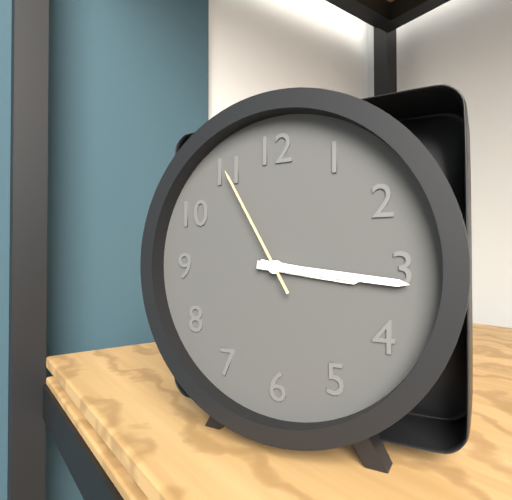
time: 3:16:55
